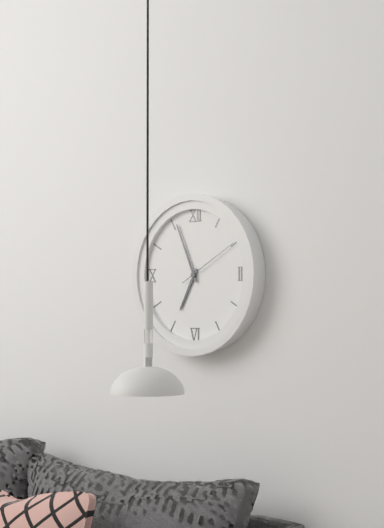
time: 6:56:10
